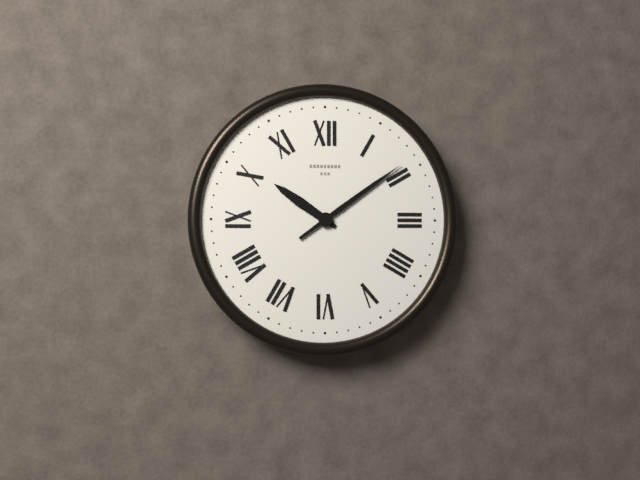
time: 10:09
